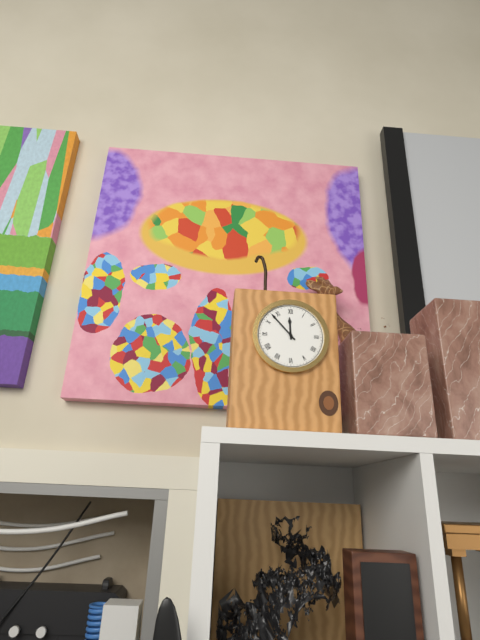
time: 11:53
